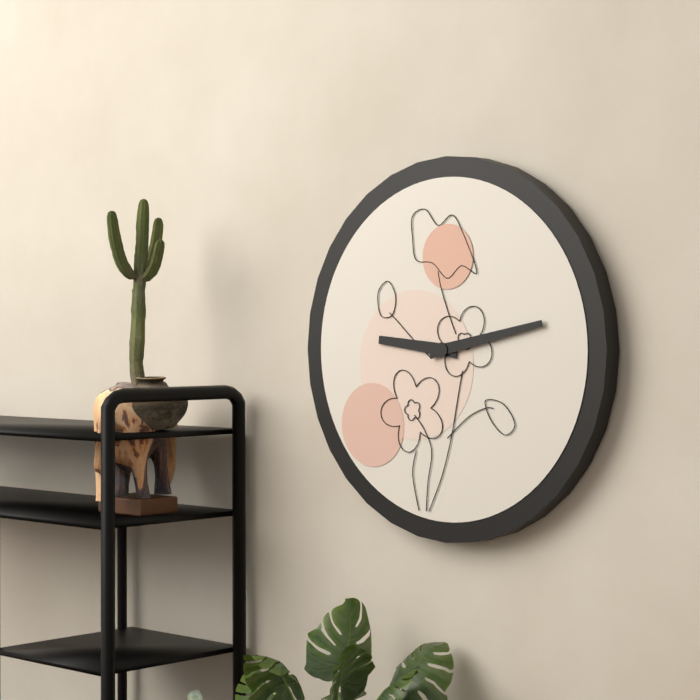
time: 9:13
